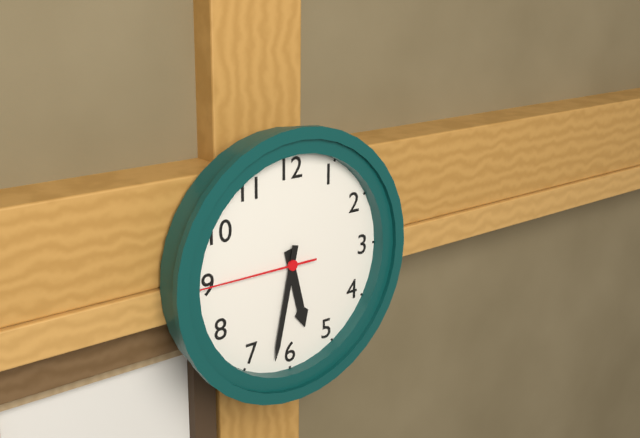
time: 5:32:45
